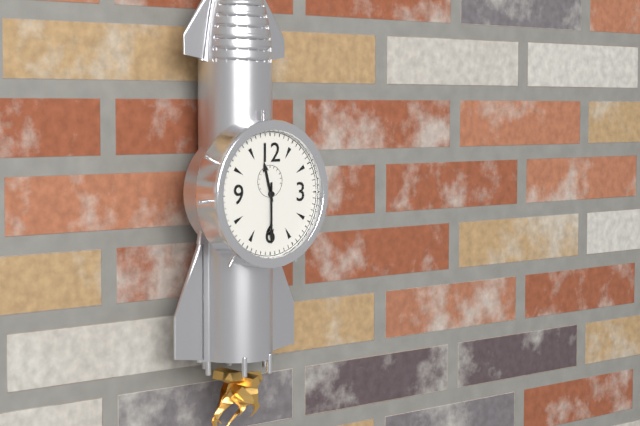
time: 11:30
